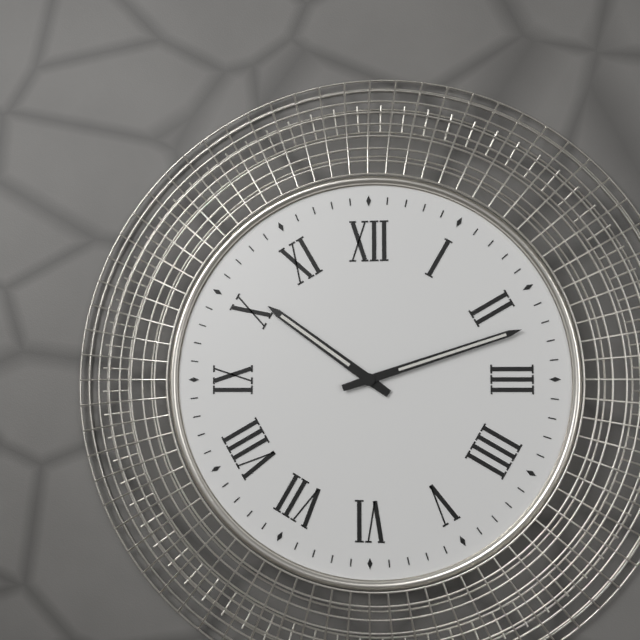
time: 10:12
